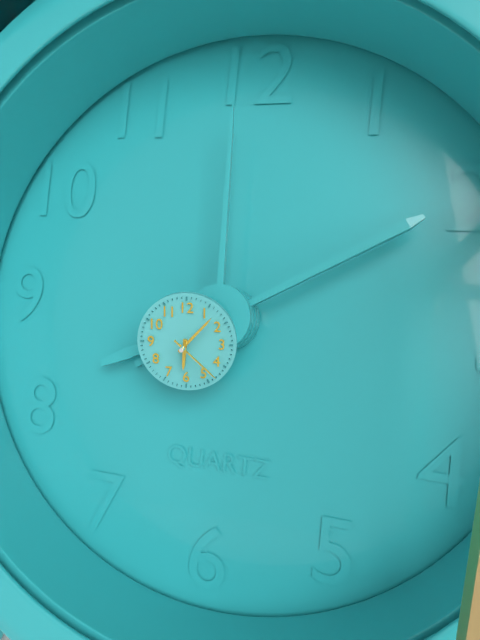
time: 6:07:22
